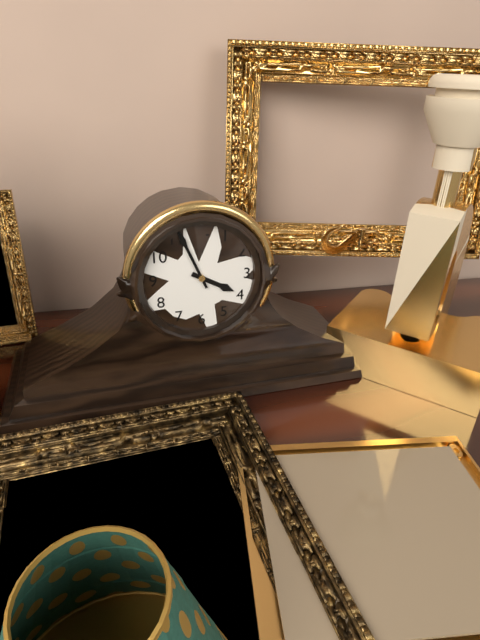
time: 3:56
